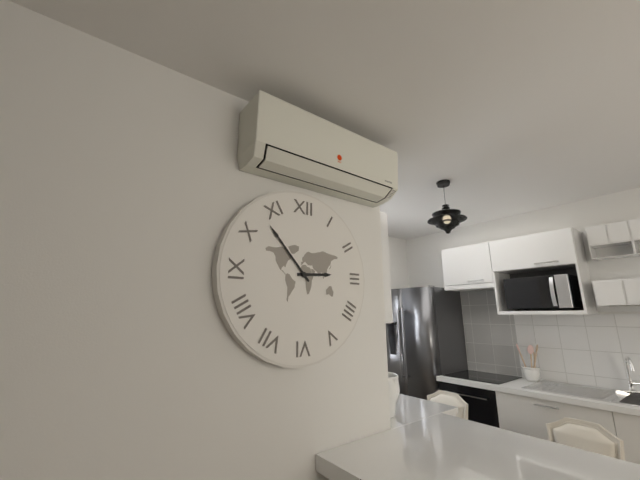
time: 2:53
